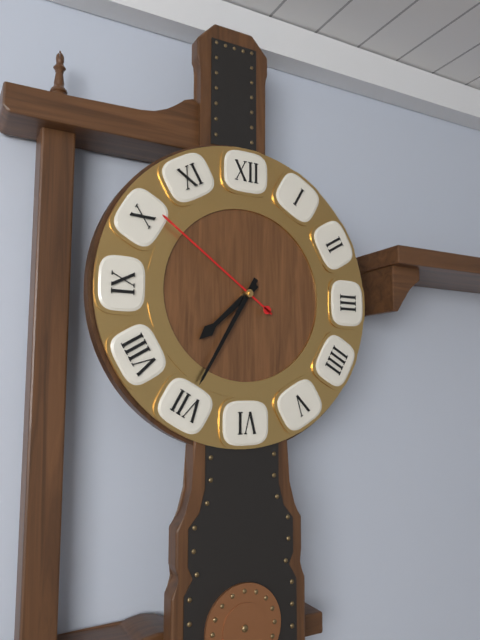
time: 7:35:51
